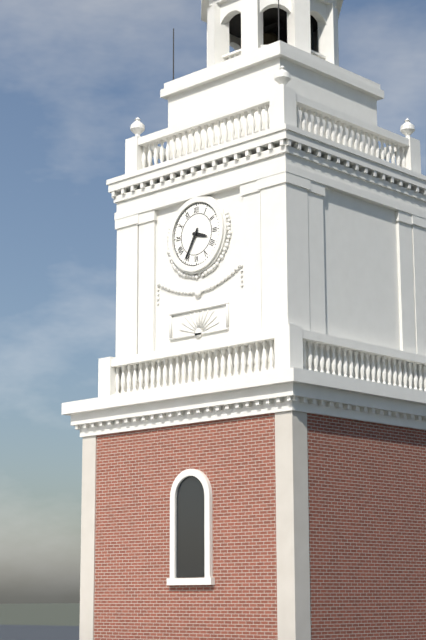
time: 3:35
